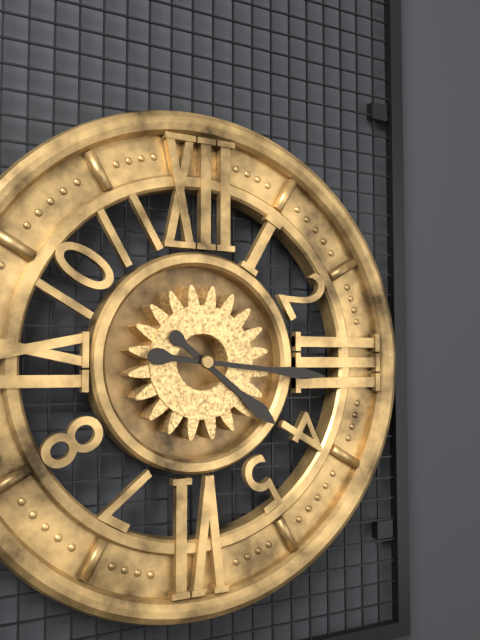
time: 4:16
